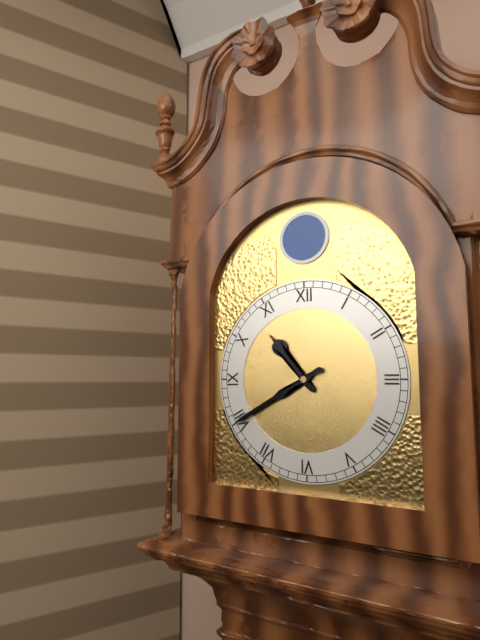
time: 10:40
